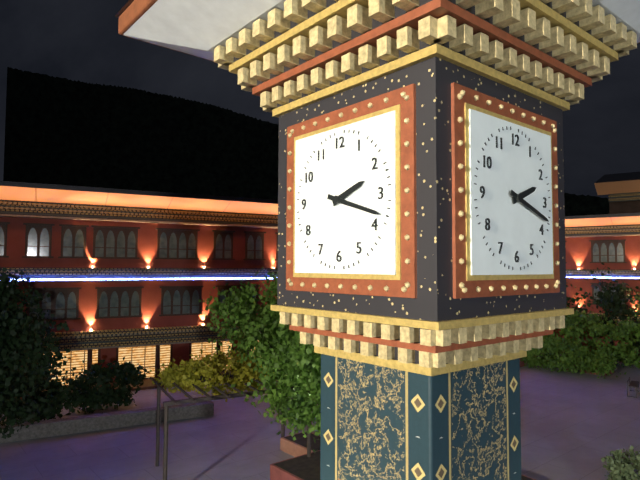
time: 2:18
